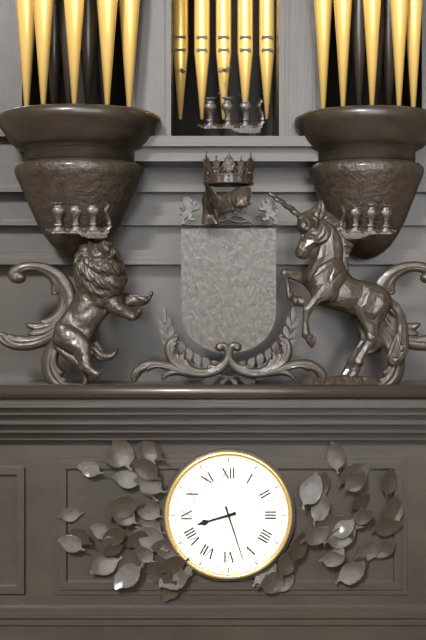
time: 8:27
